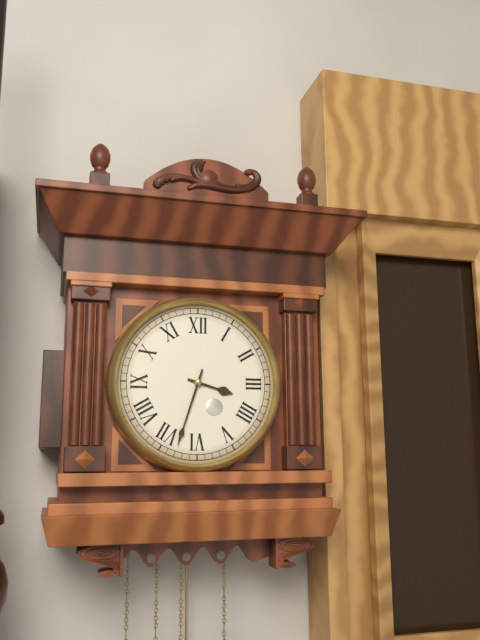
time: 3:33
